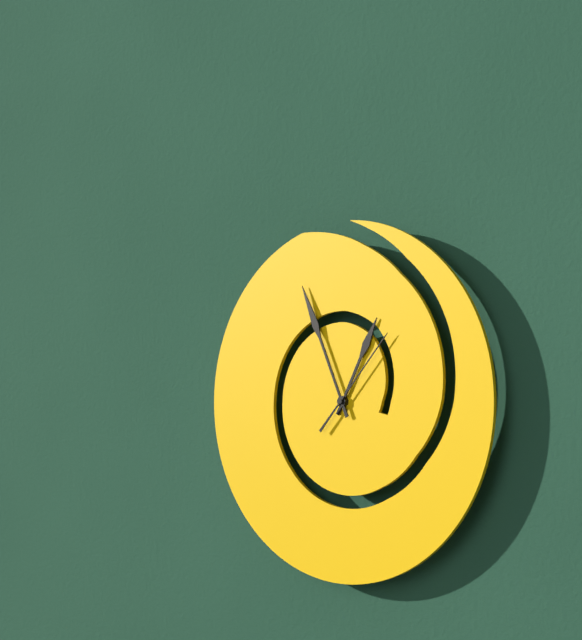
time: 12:56:07
